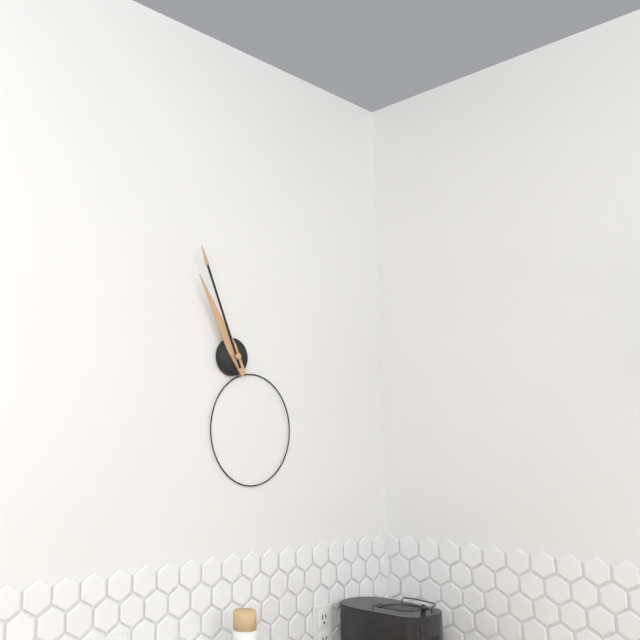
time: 10:56
